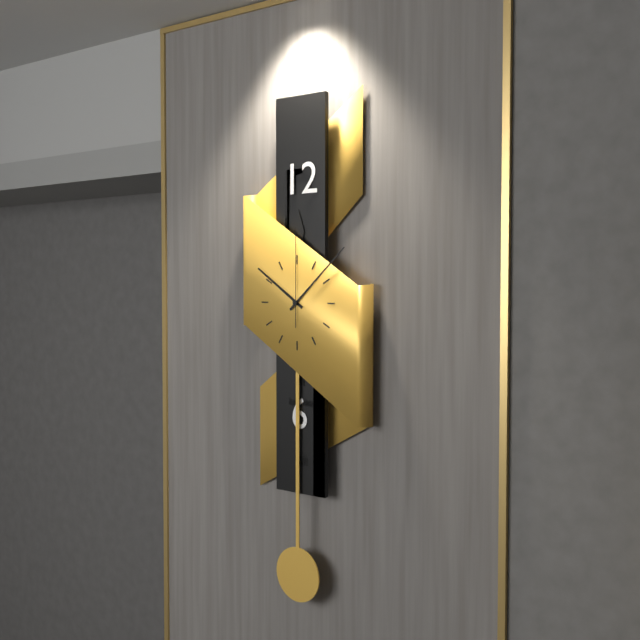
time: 10:08:00
